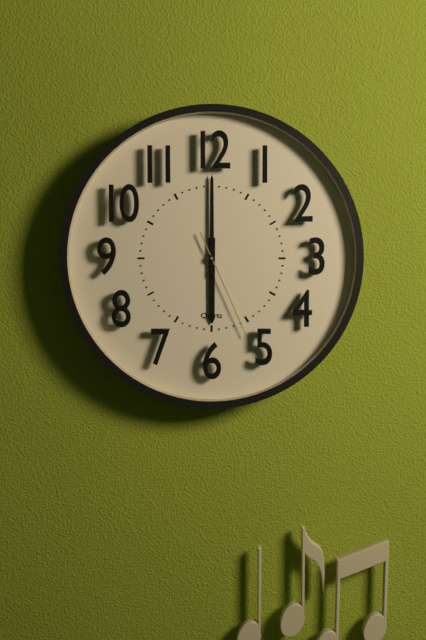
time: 6:00:26
